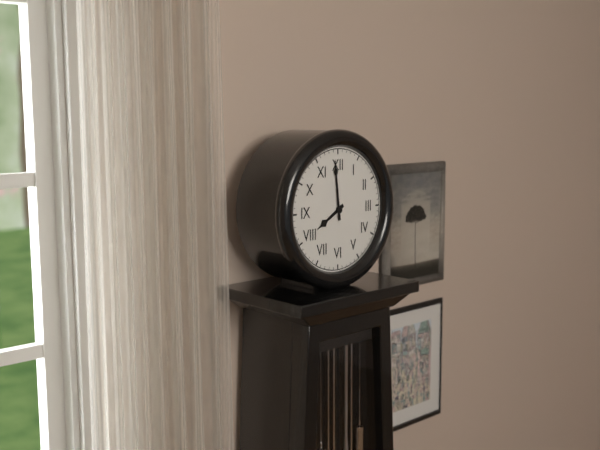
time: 7:59
